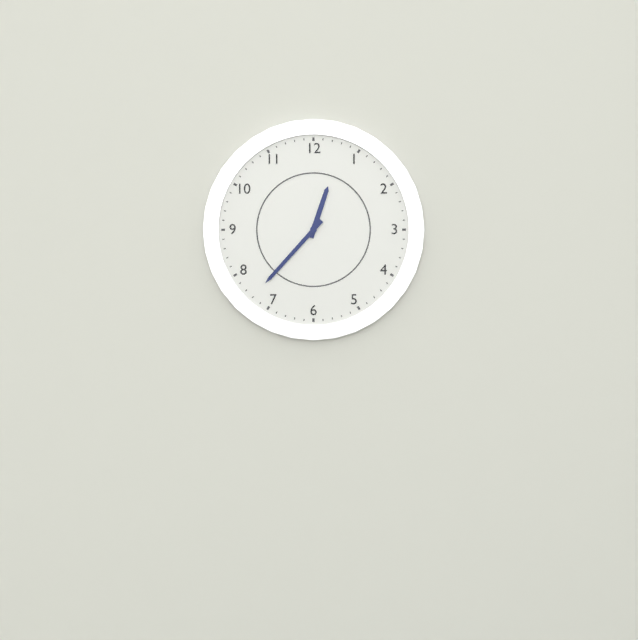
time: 12:37
